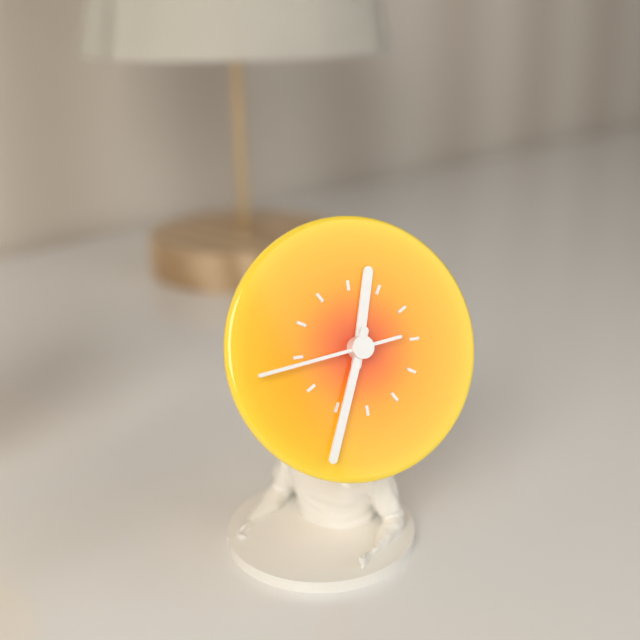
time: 12:34:44
